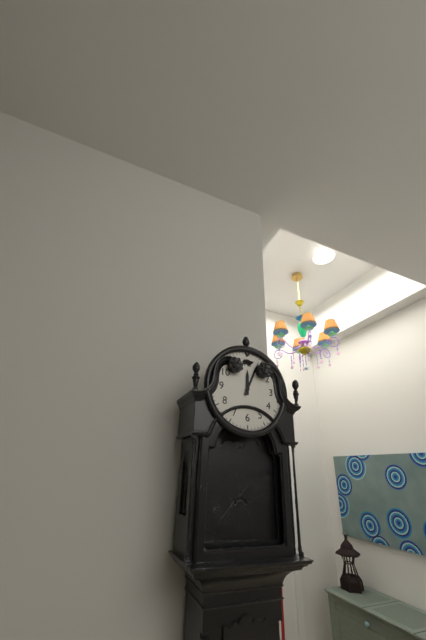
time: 12:04
